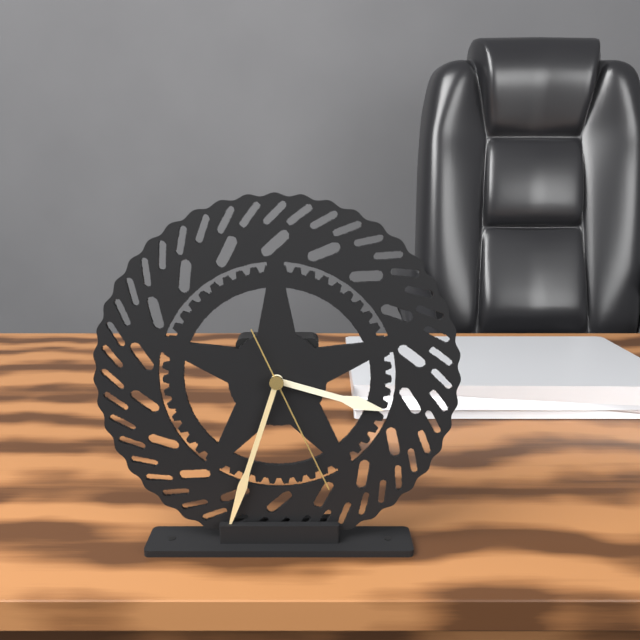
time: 3:33:26
